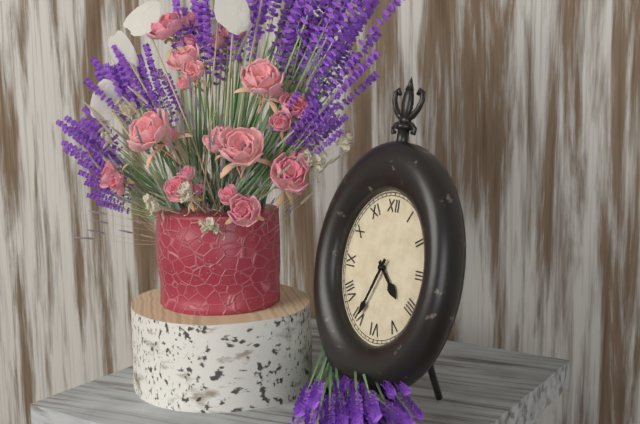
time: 4:34
